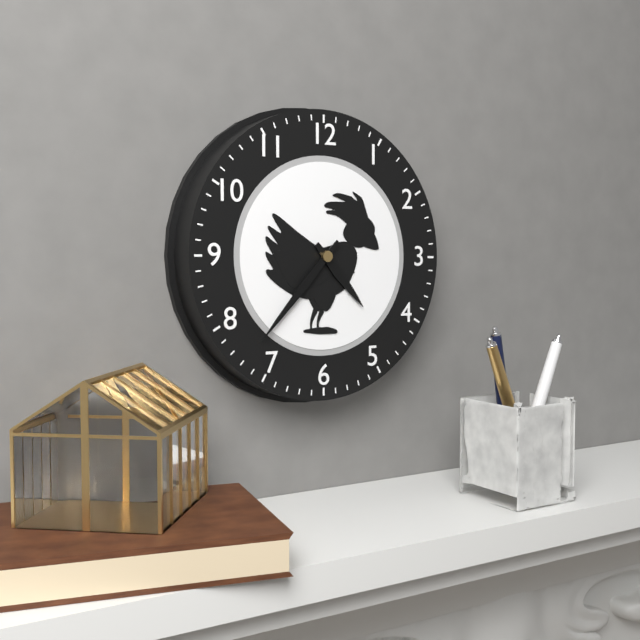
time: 4:37
